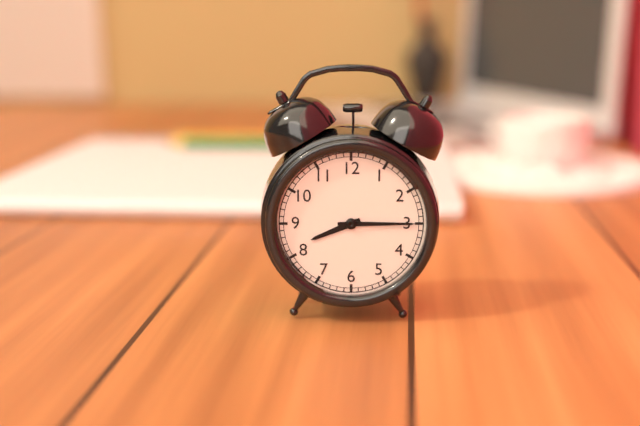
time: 8:15
